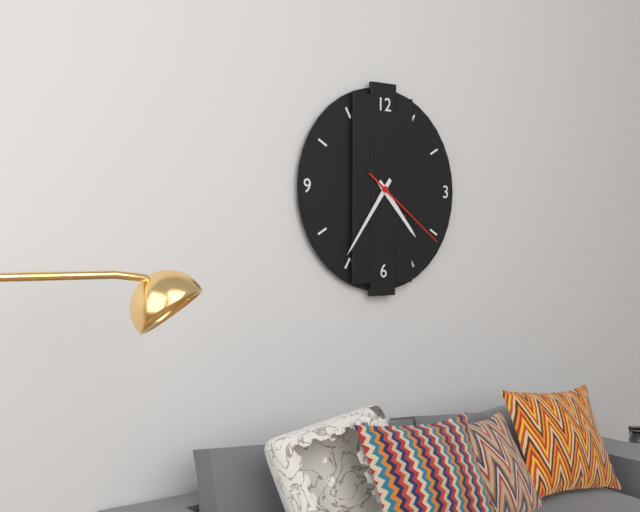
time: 4:36:21
